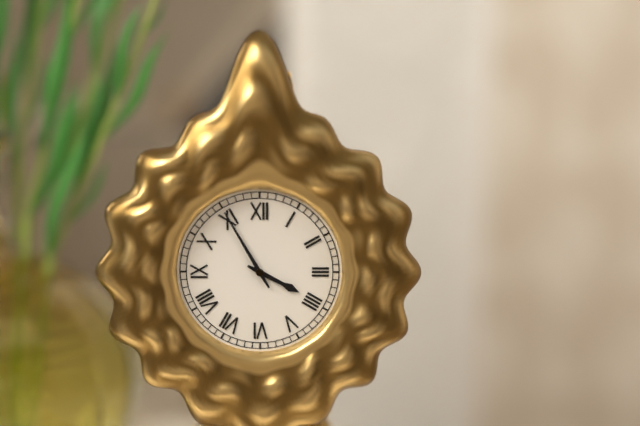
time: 3:55
